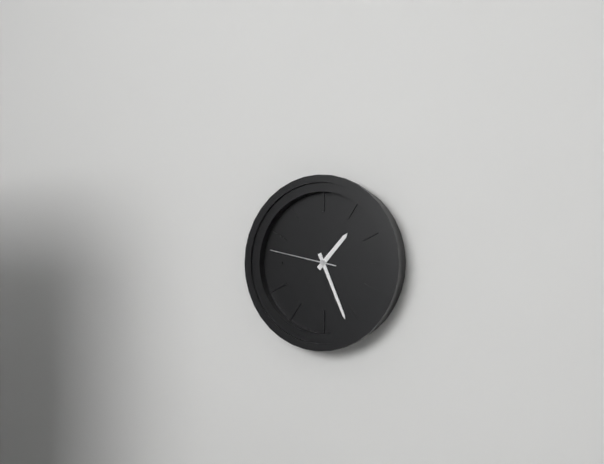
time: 1:26:47
